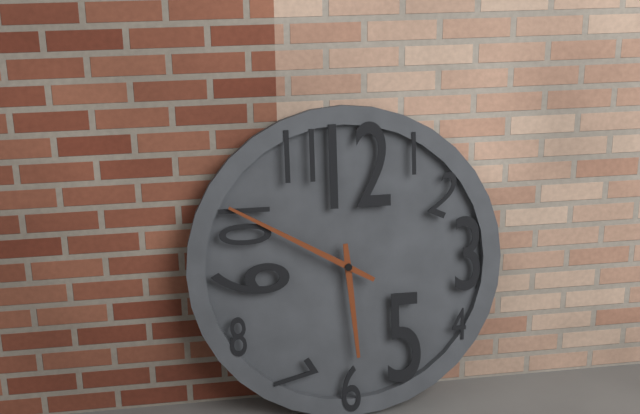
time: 5:50
